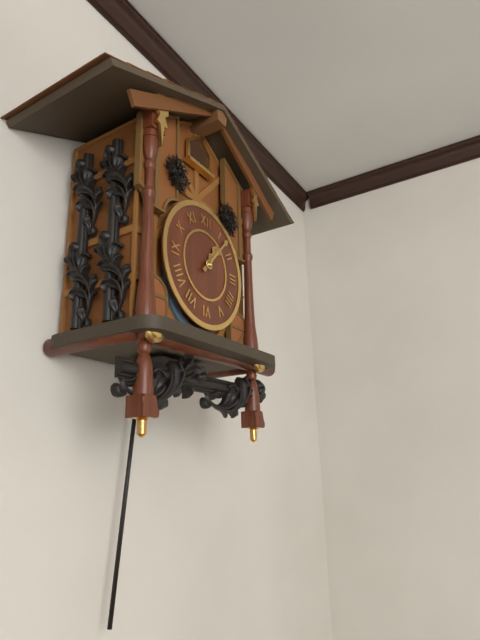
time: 1:07
